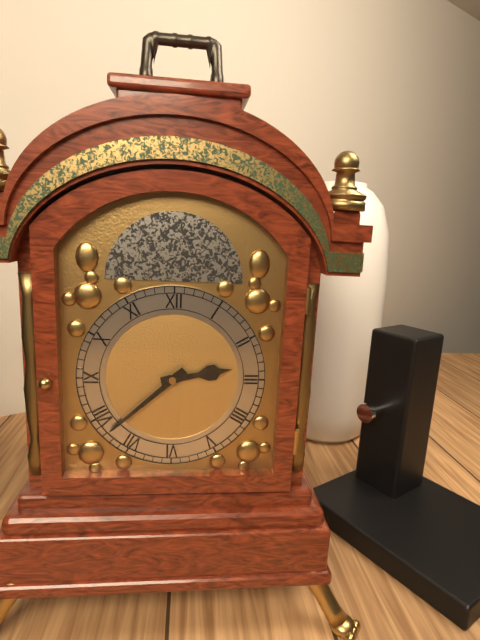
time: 2:38
